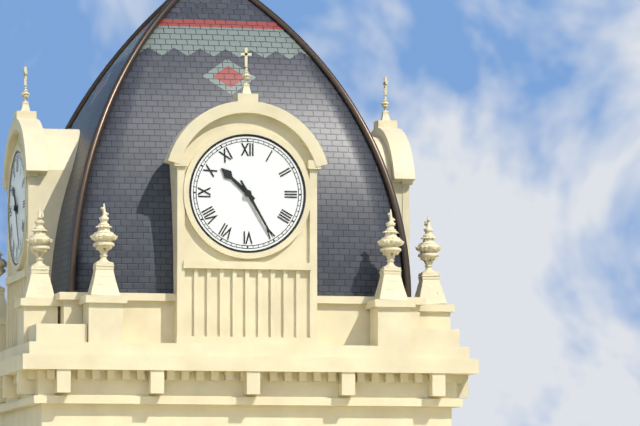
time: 10:25
